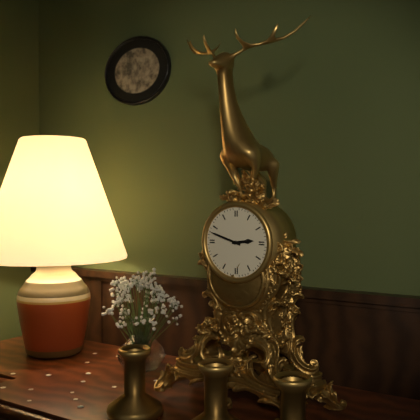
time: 2:48
